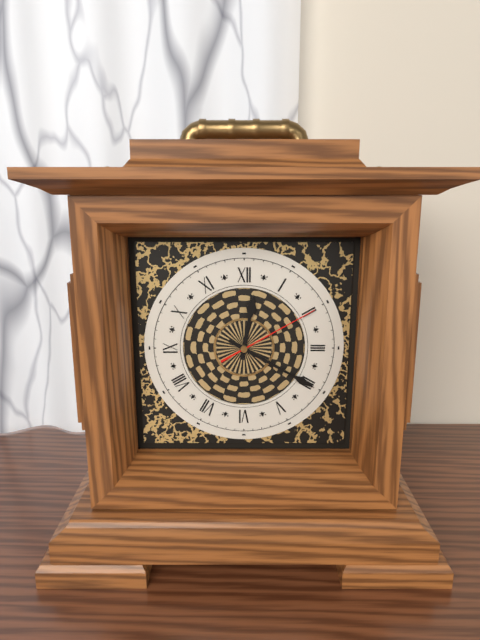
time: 12:20:10
